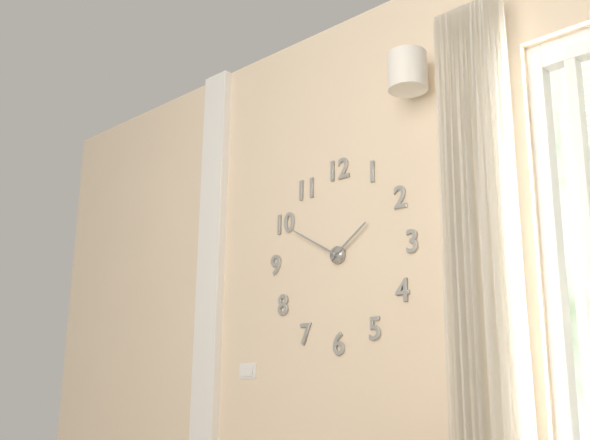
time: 1:50
